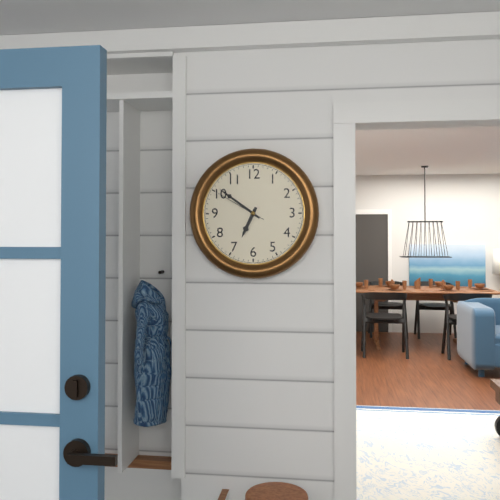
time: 6:51:50
